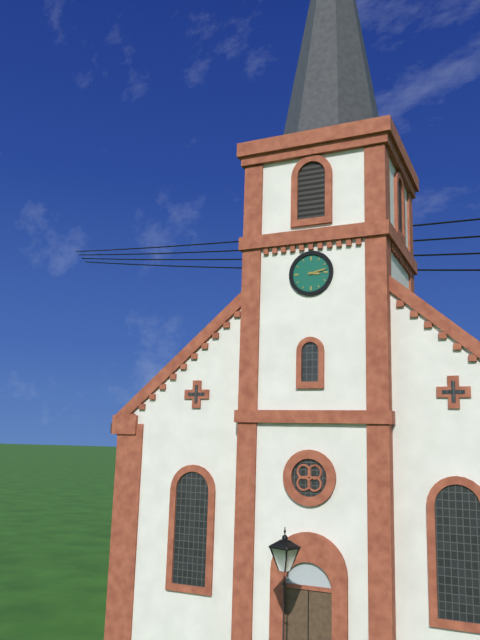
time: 3:13
